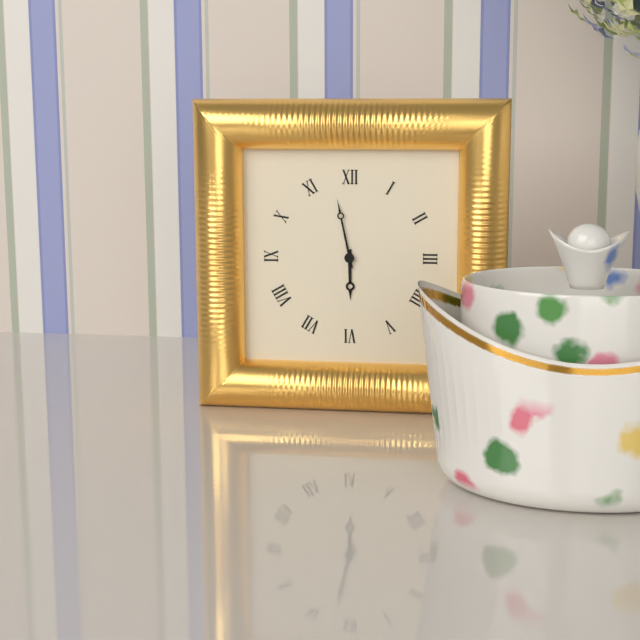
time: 5:58
